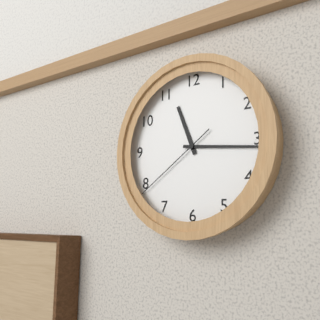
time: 11:16:39
